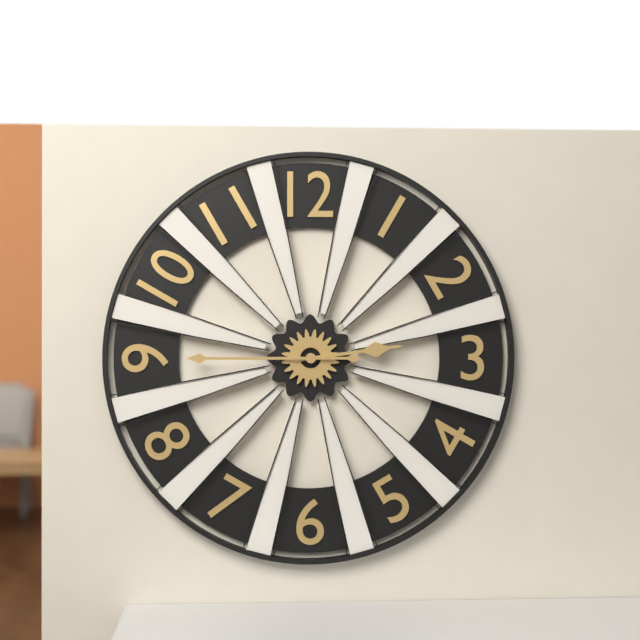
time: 2:45
